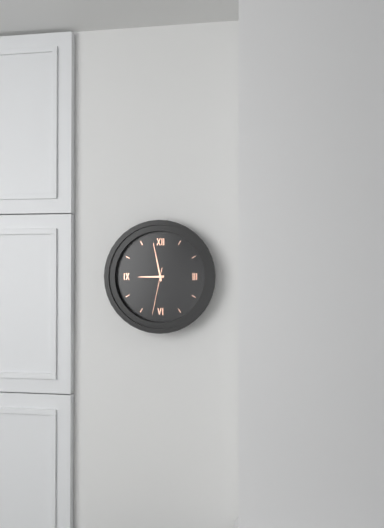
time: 8:58
